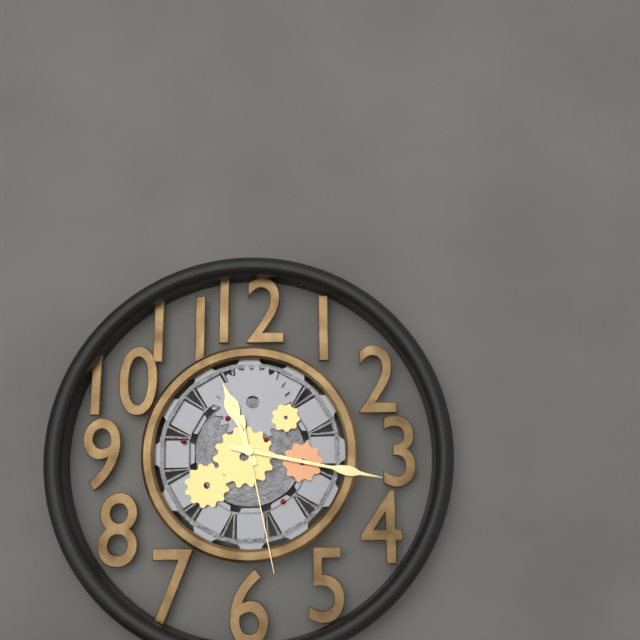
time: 11:17:28
